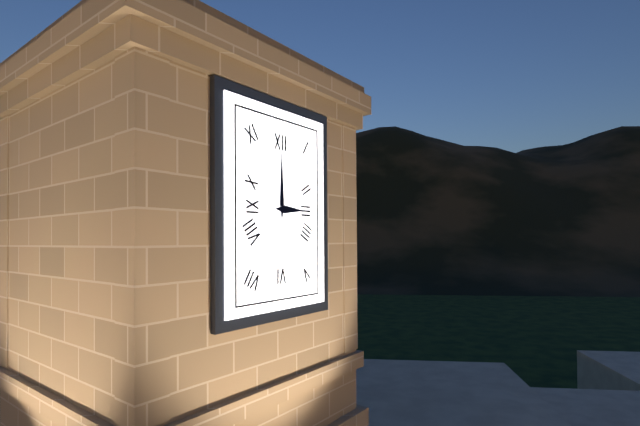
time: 3:00
